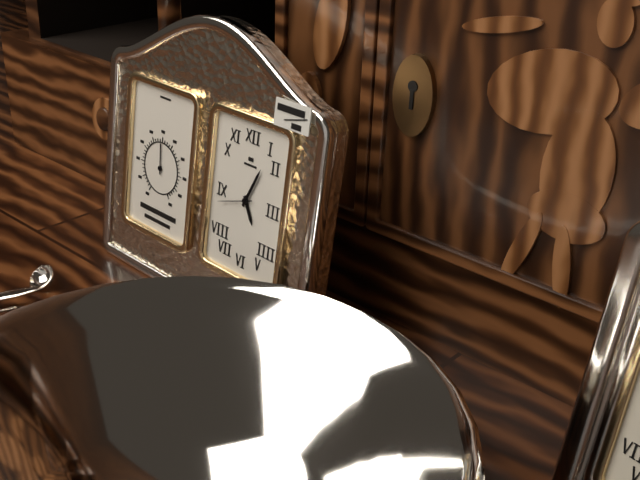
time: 5:04
